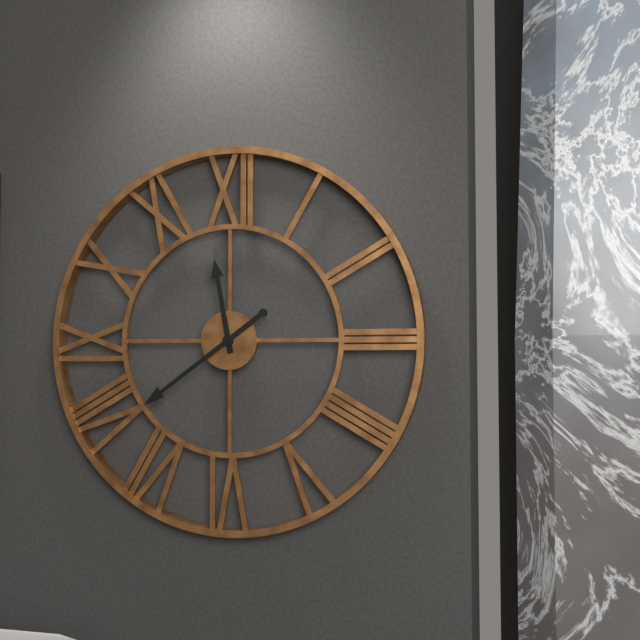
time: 11:39
